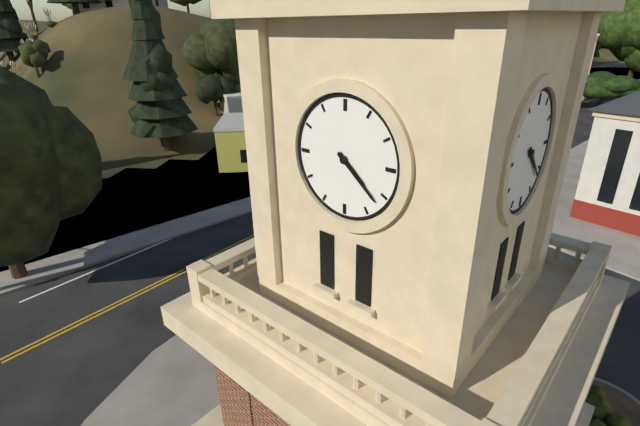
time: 4:22
